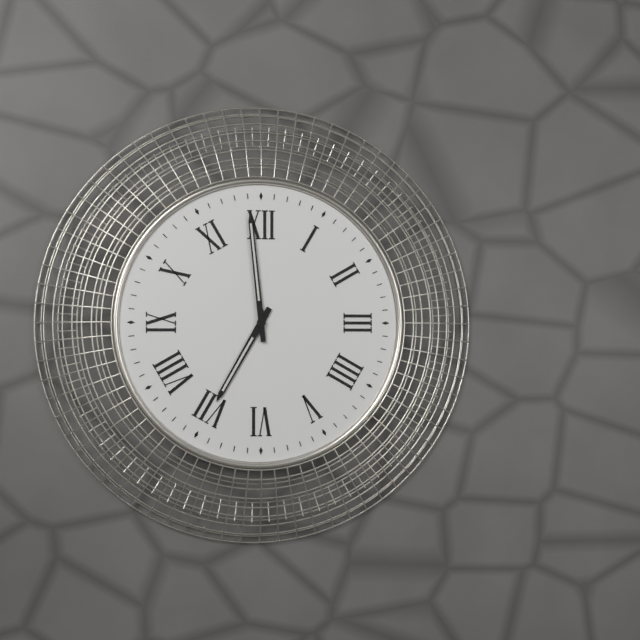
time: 6:59
